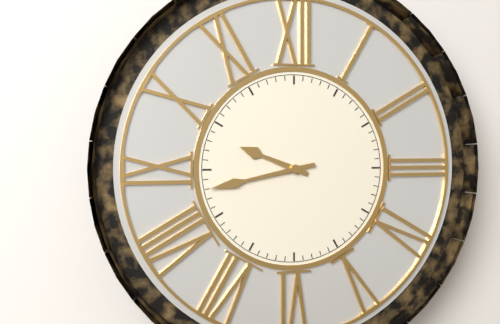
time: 9:43
